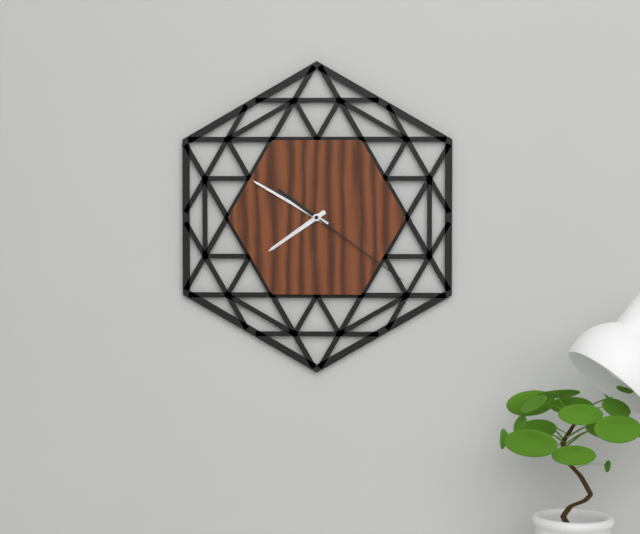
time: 7:50:21
